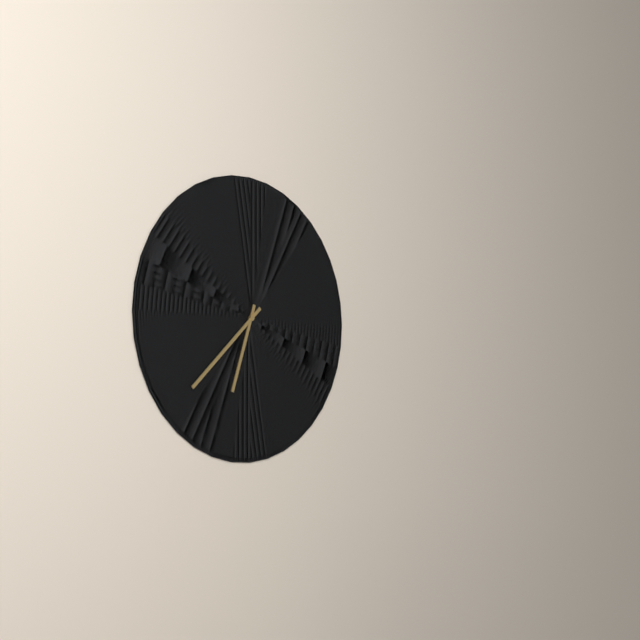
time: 6:38
